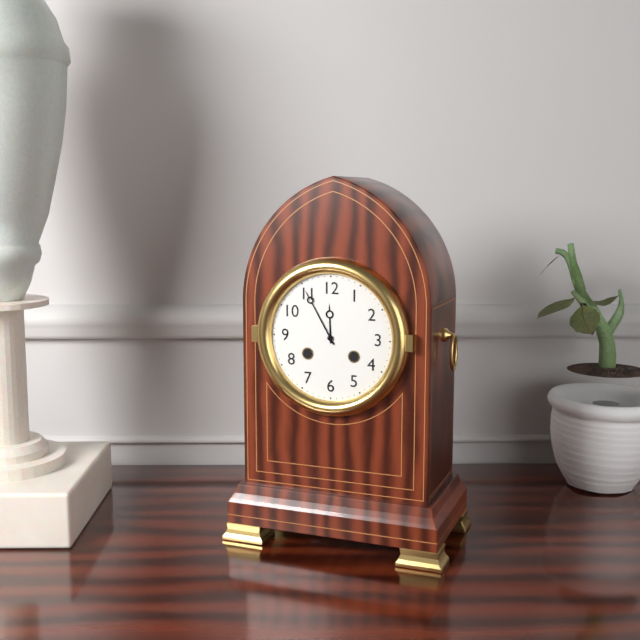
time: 11:55
